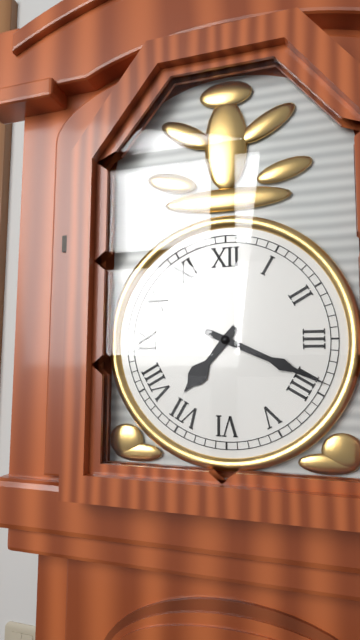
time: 7:19
